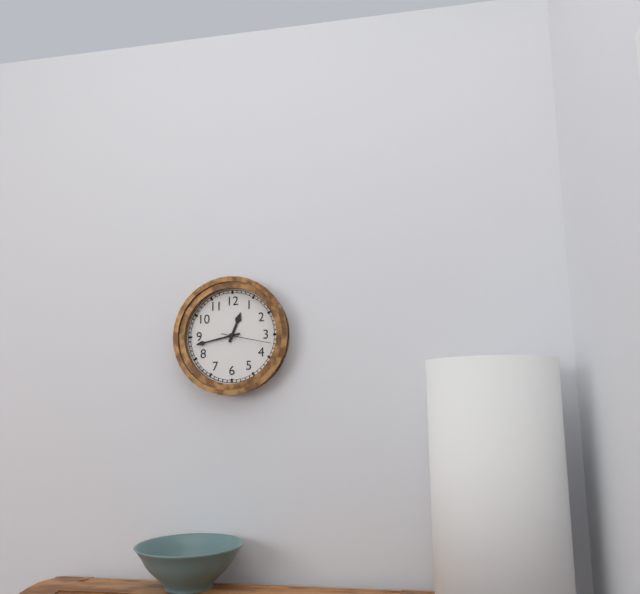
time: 12:43:17
